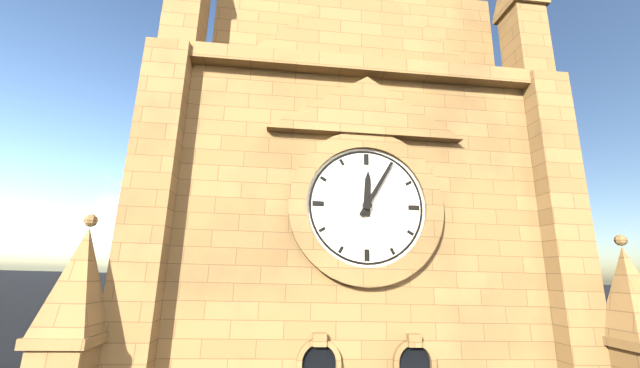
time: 12:05
